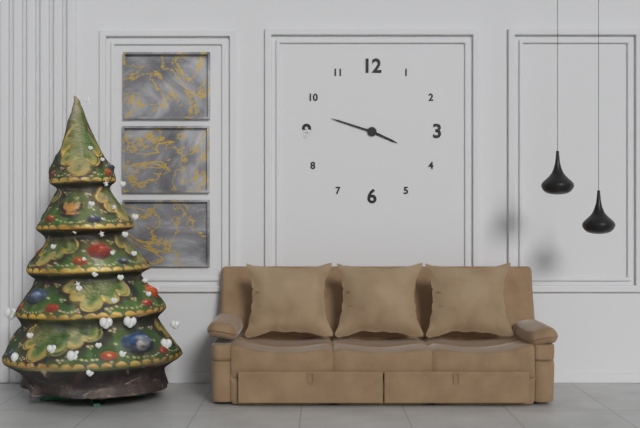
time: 3:48
